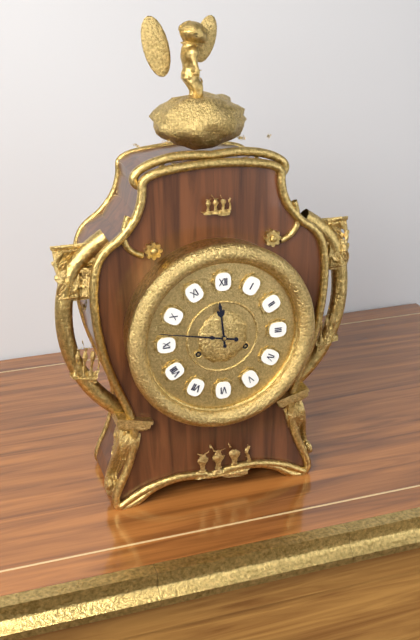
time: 11:47
